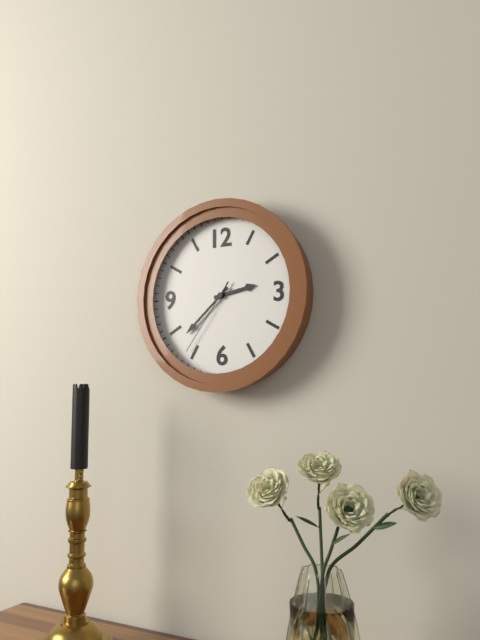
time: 2:38:36
